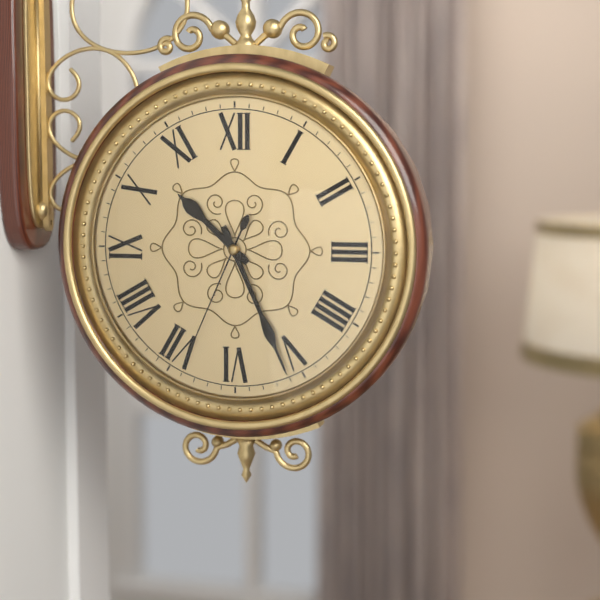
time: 10:26:34
